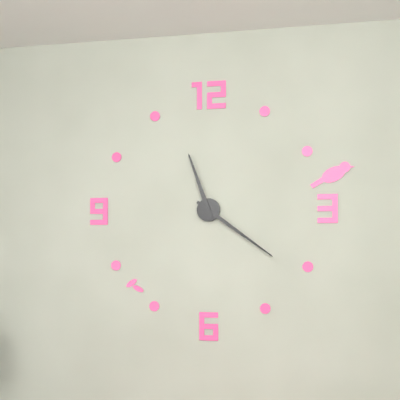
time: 11:21
